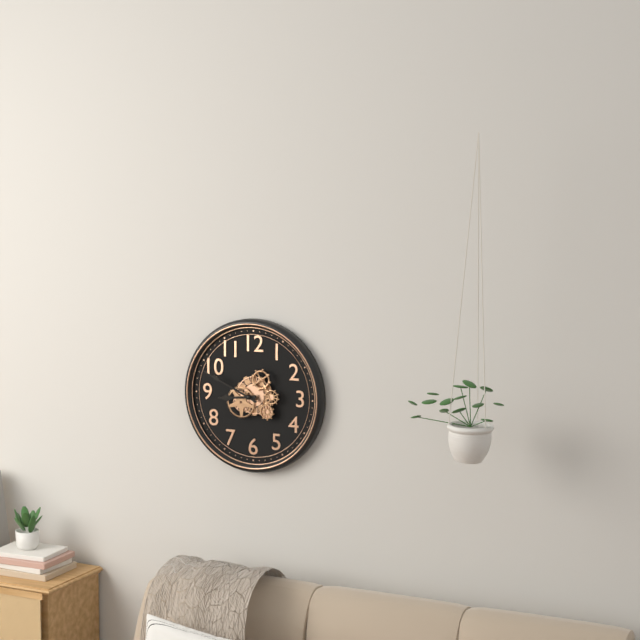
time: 8:49
